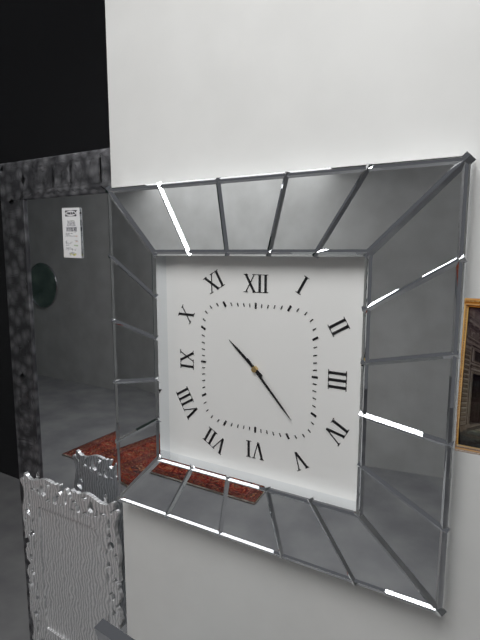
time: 10:23
